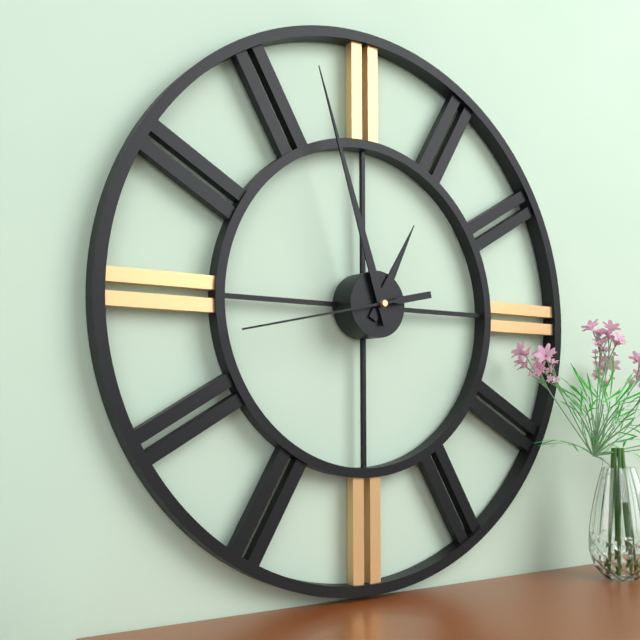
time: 12:57:43
